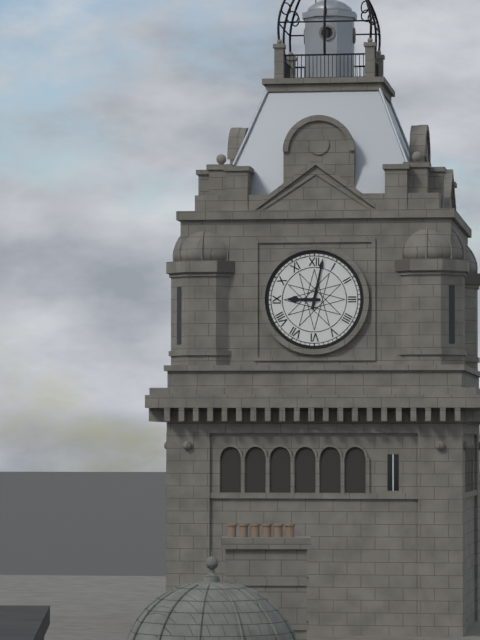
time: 9:02
